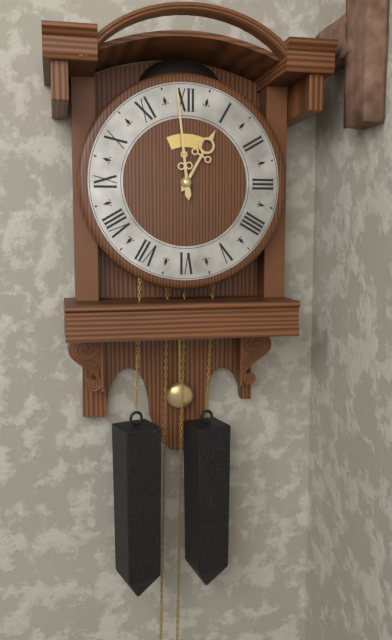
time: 12:59
